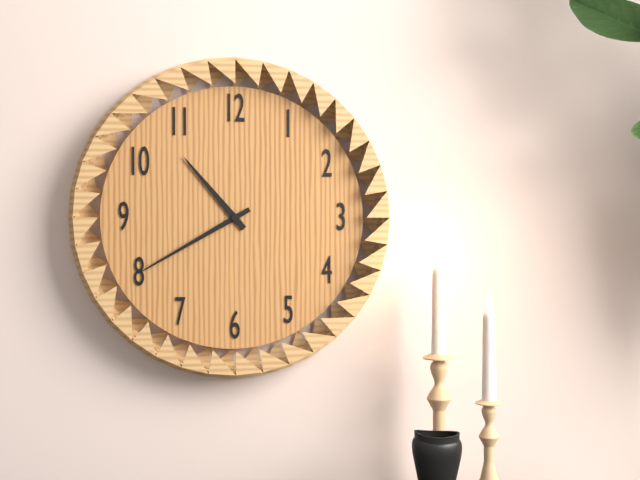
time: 10:40
